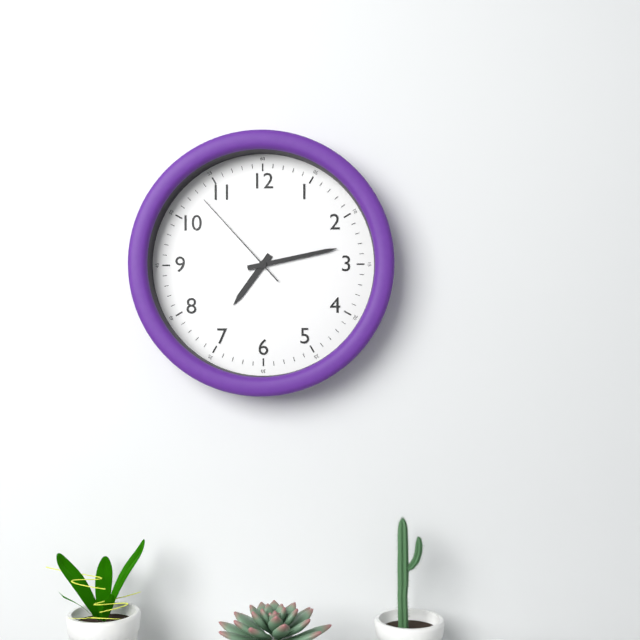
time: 7:13:53
